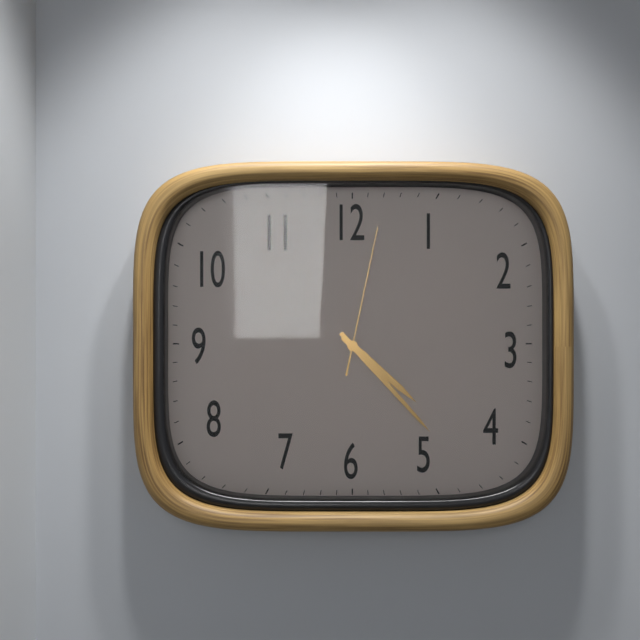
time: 4:23:02
